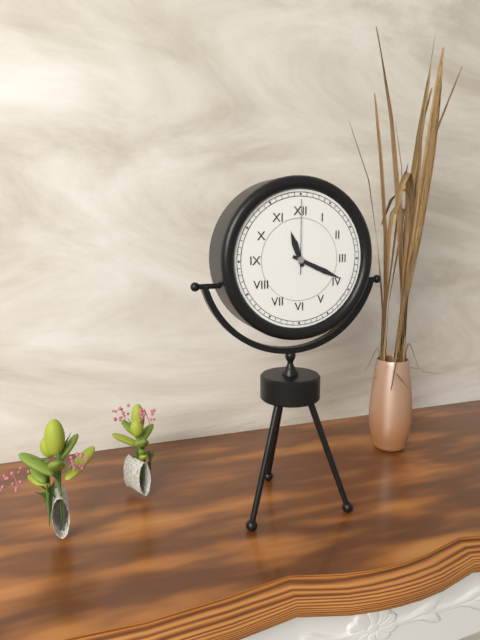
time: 11:19:00
